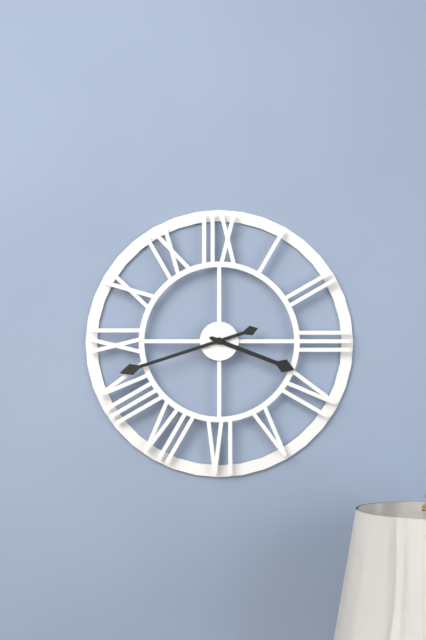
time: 3:42
